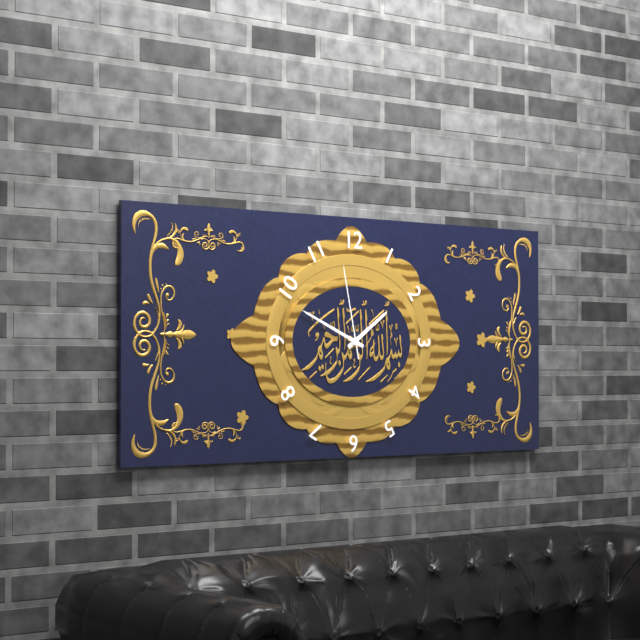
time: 1:49:58
